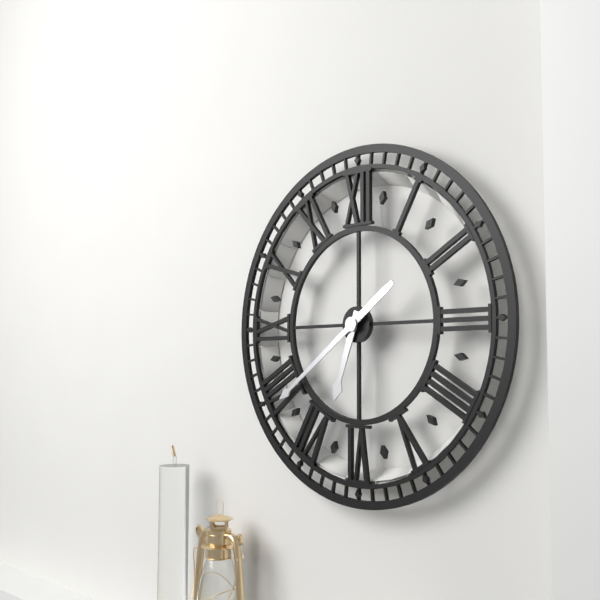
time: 6:39
